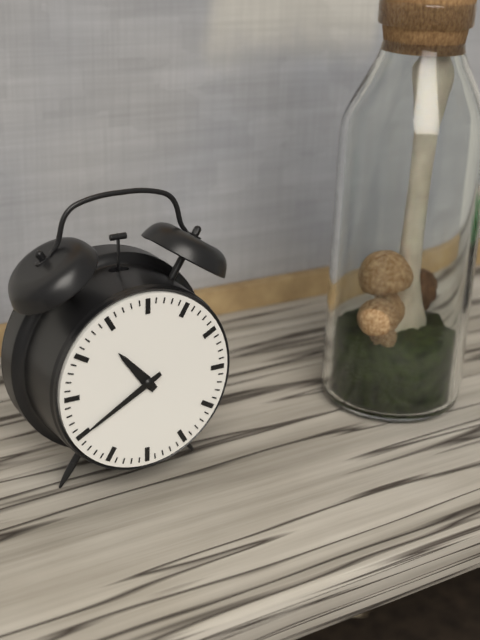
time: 10:40
